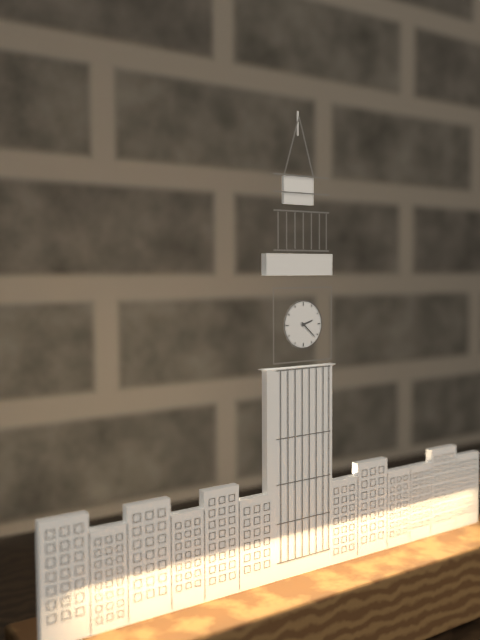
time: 2:22
